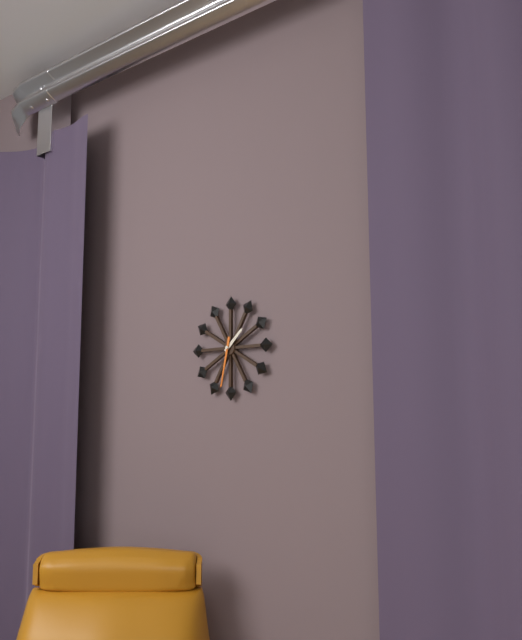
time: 1:32
